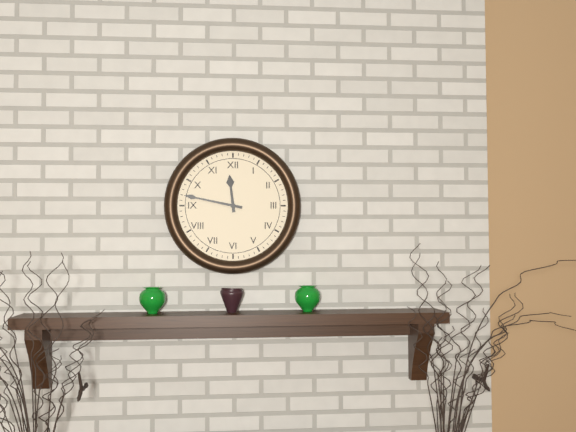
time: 11:47
